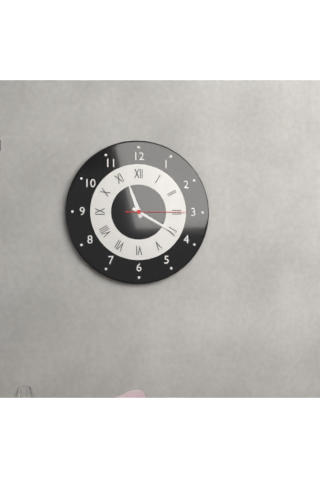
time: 11:20:15
